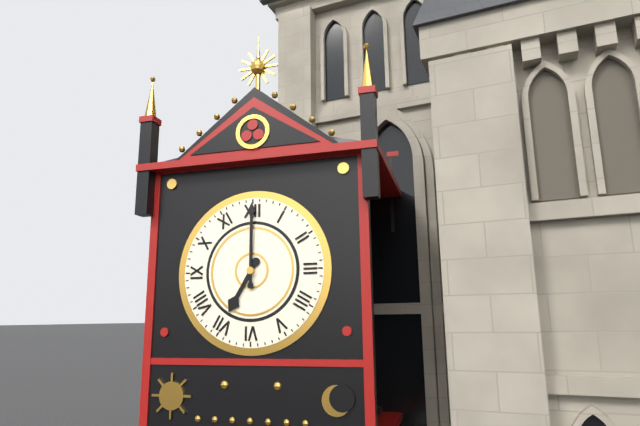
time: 7:00
